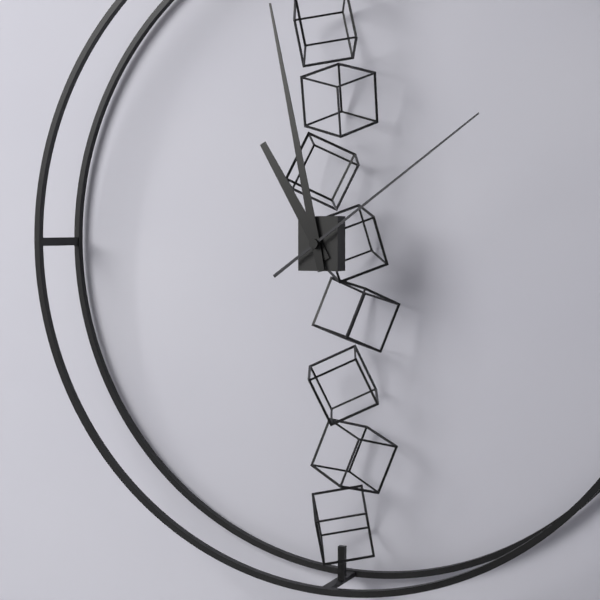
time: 10:58:09
